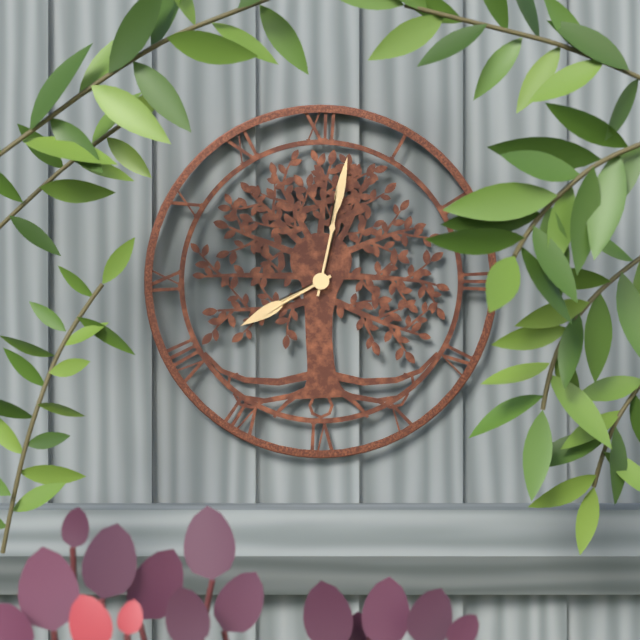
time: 8:02
